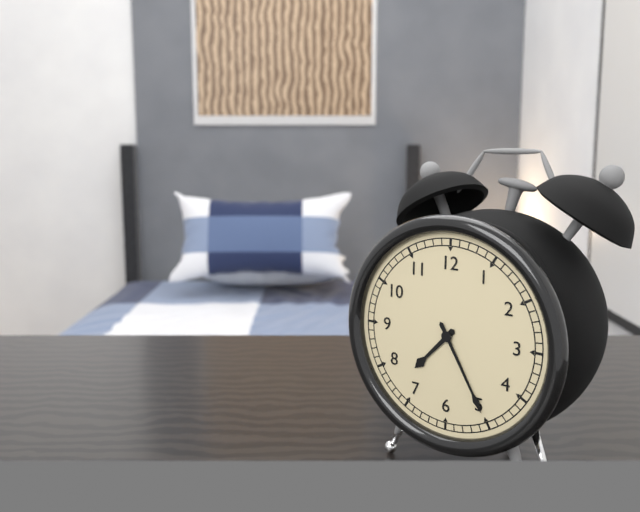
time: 7:25
